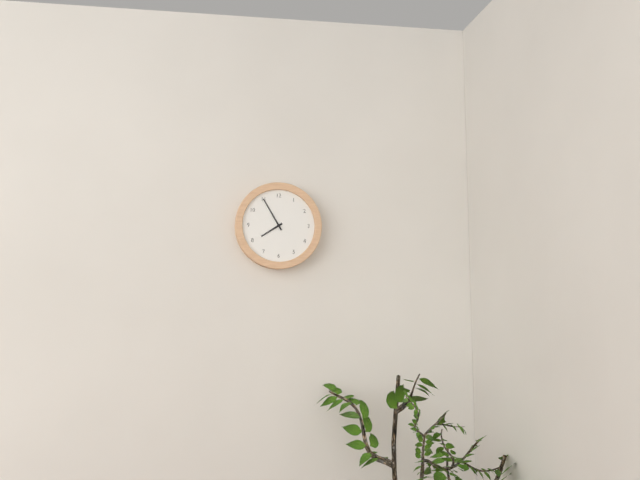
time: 7:55
